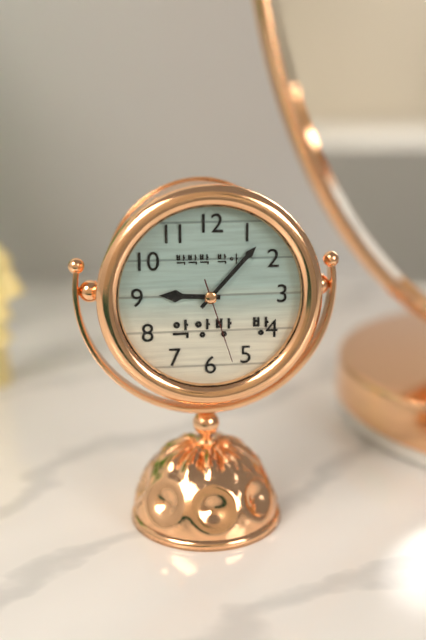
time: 9:07:27
